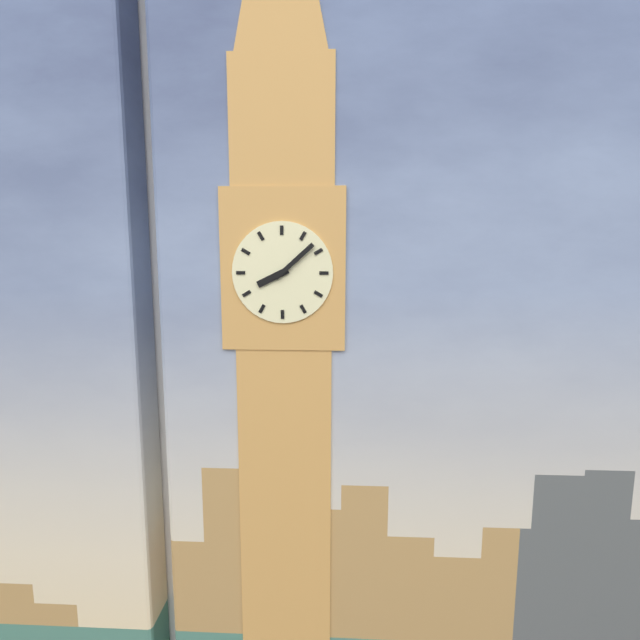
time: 8:08
